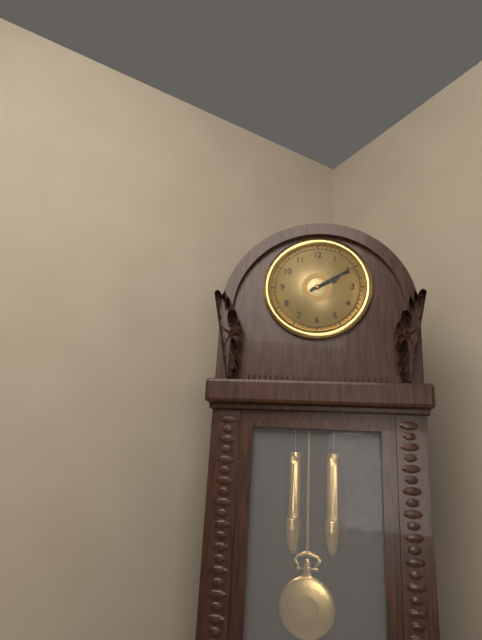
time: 2:10
